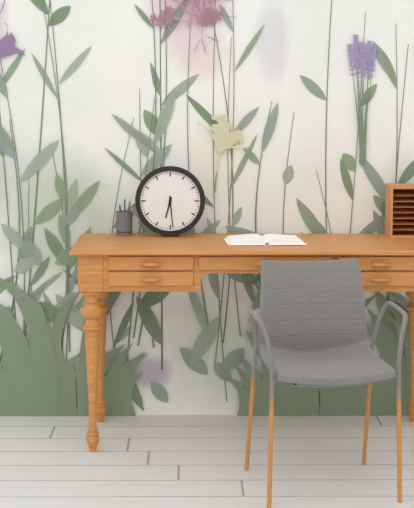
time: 6:29
